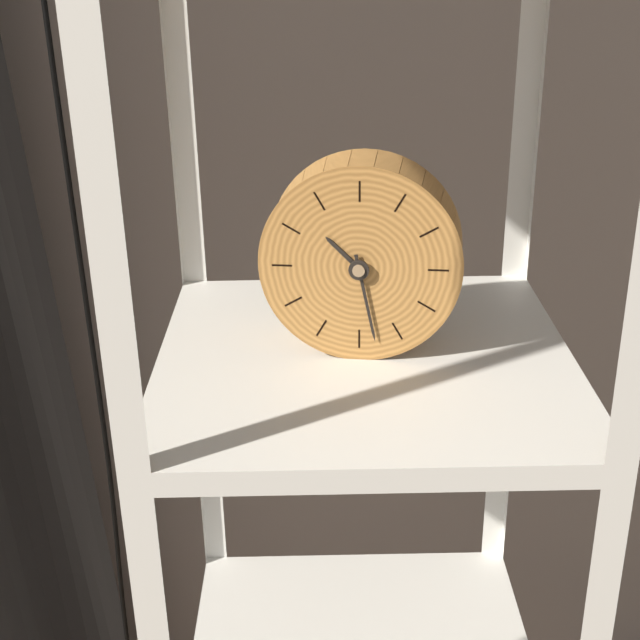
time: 10:28
